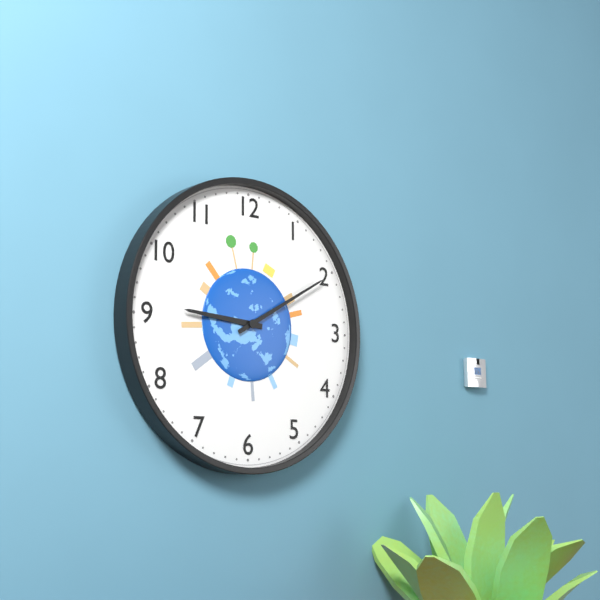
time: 9:10
